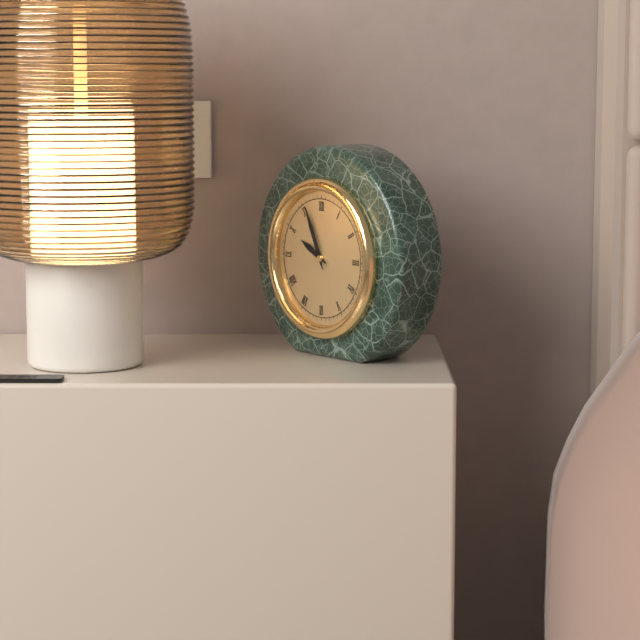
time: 9:56
